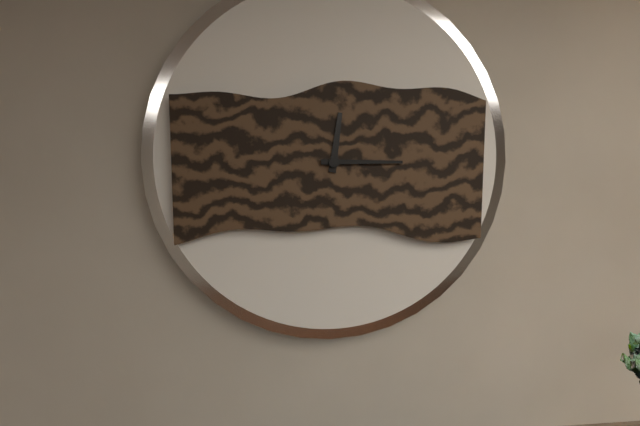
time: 12:15
